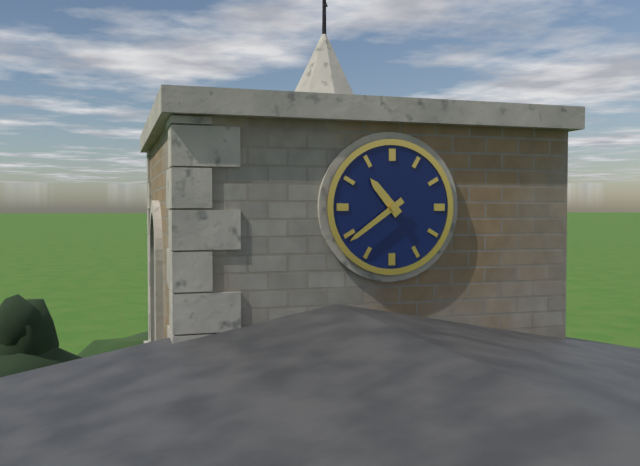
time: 10:39
